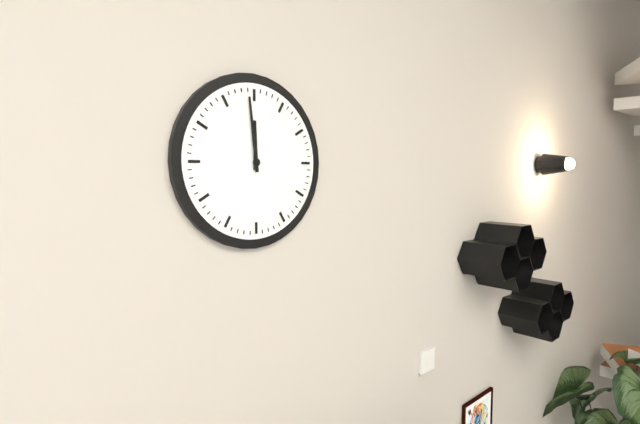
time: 11:59
